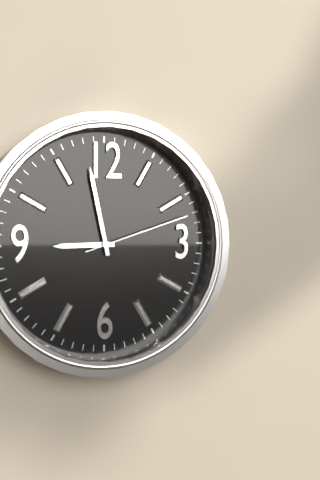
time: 8:58:12
